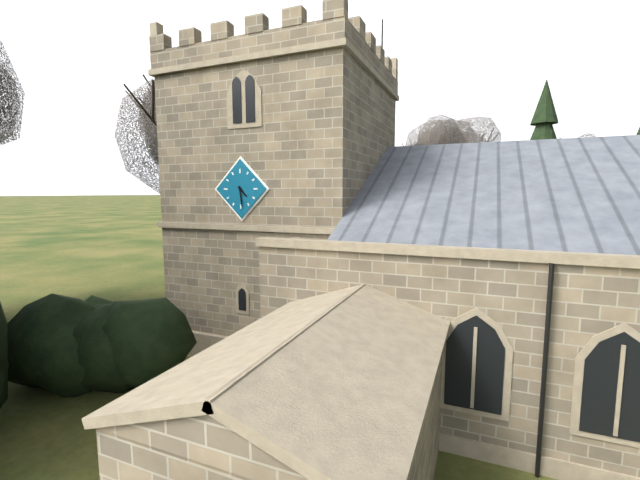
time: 4:29
